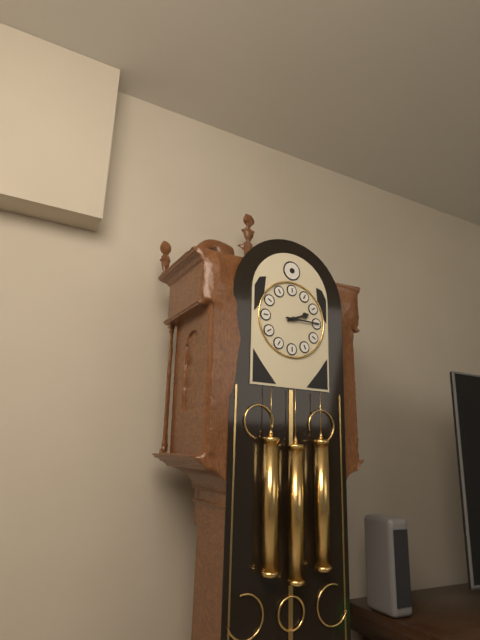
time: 2:15
